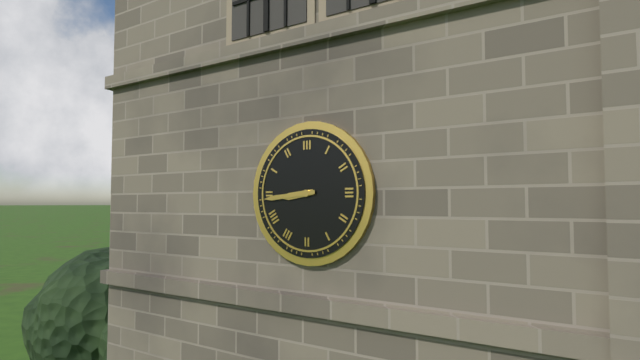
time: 8:44
